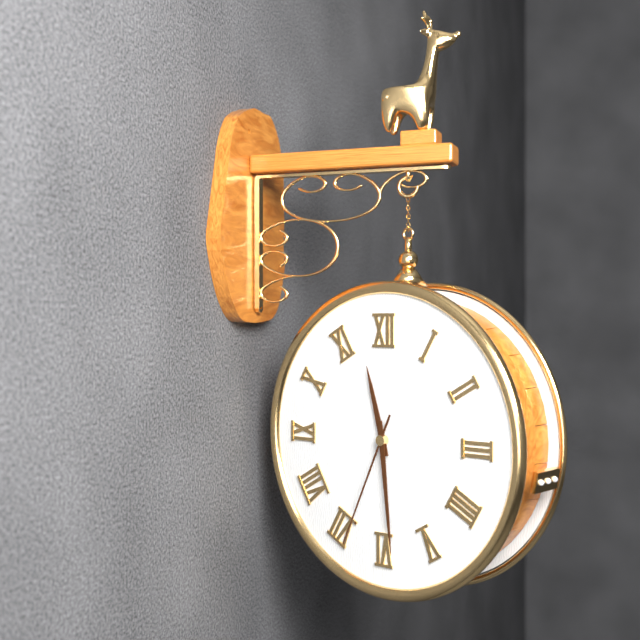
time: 11:29:34
